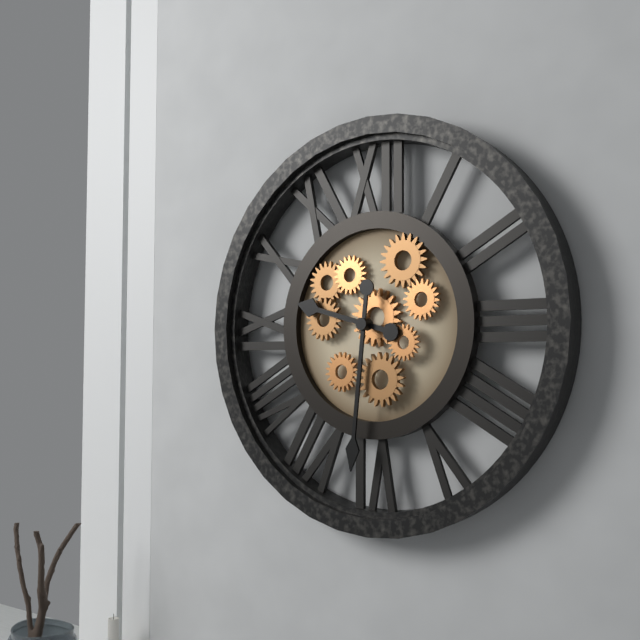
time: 9:31
